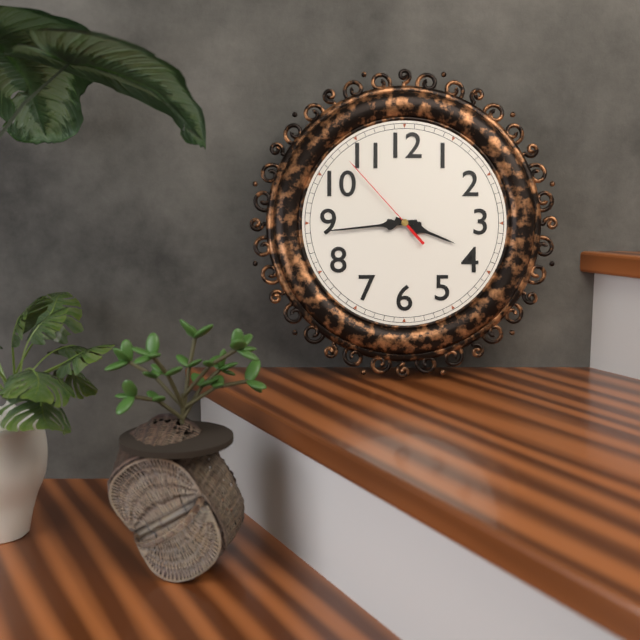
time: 3:44:53
